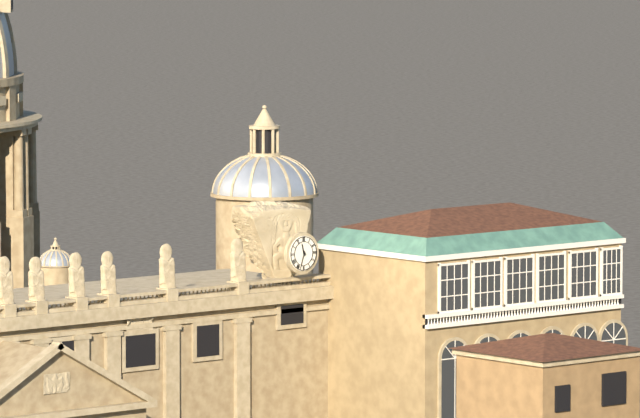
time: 11:33
